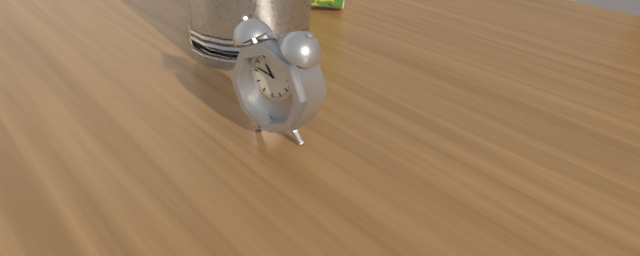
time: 10:47
